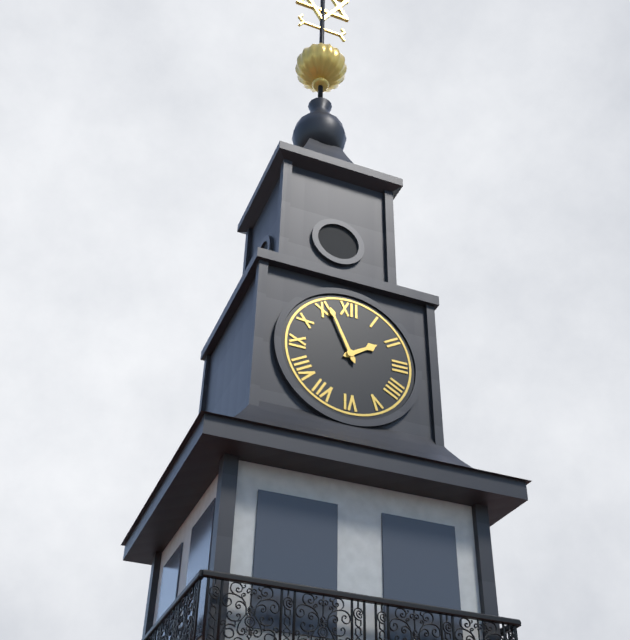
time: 1:56
